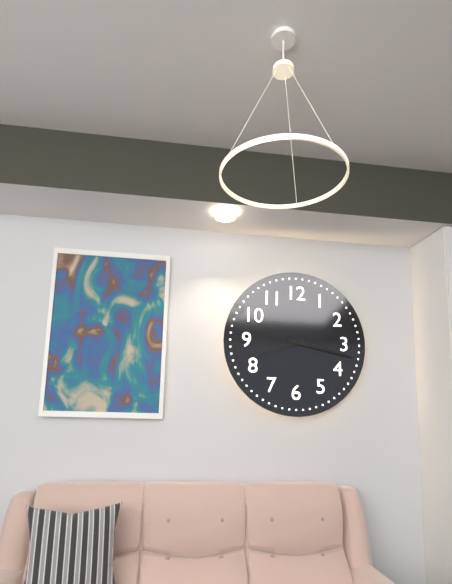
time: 8:17
